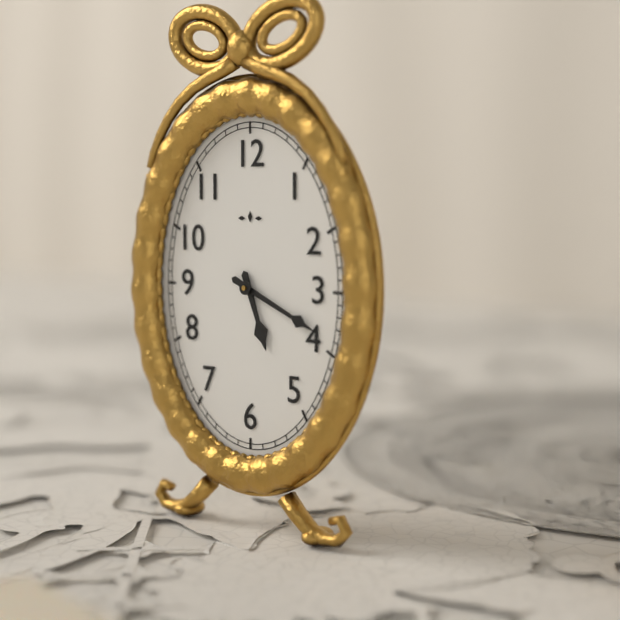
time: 5:19
